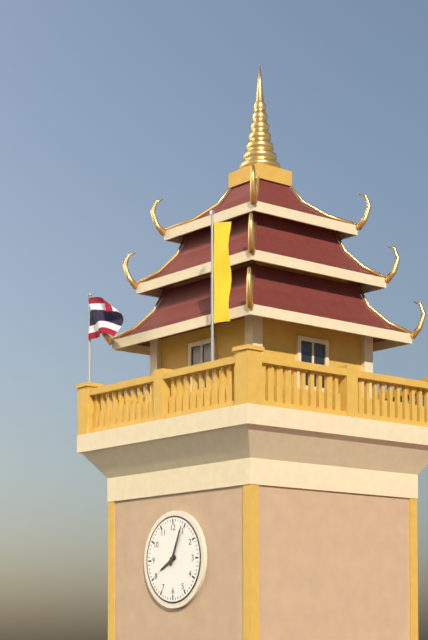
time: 8:04
